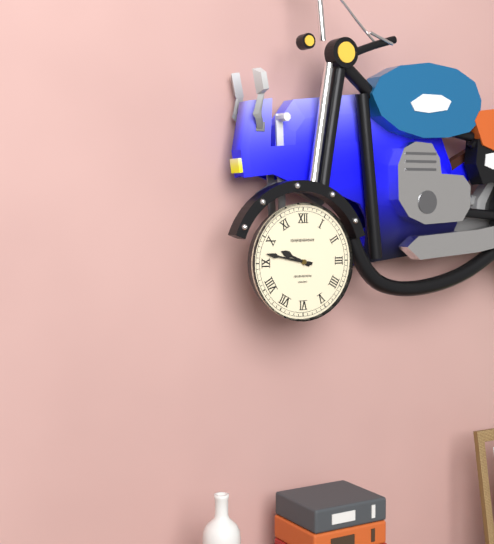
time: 9:47
